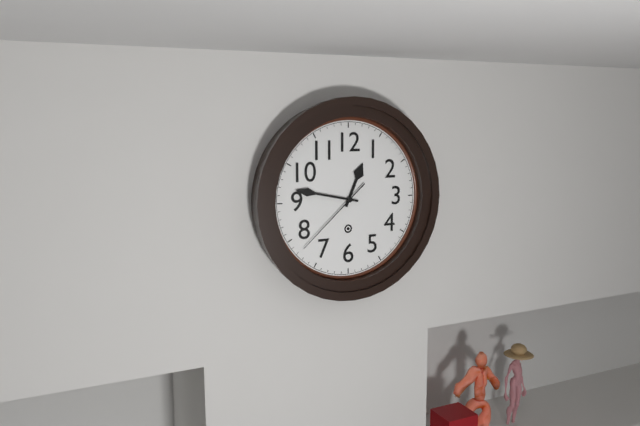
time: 12:47:38
